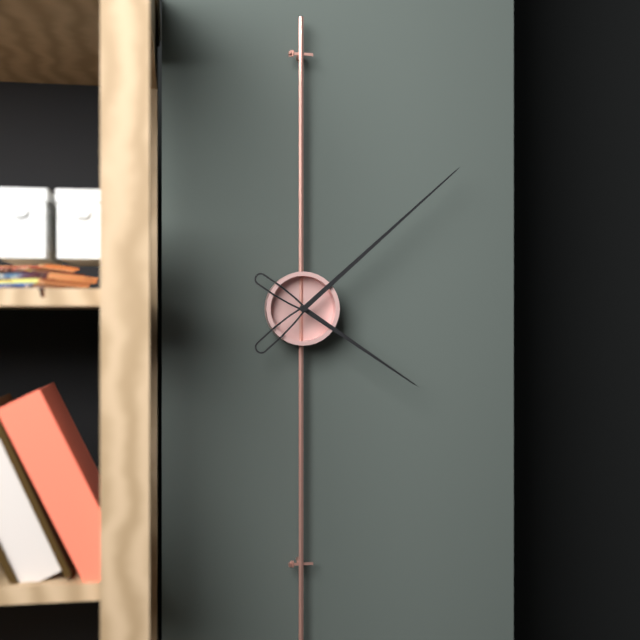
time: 4:08
